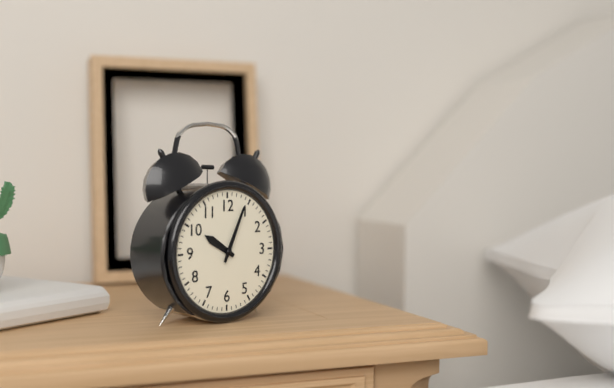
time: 10:04
